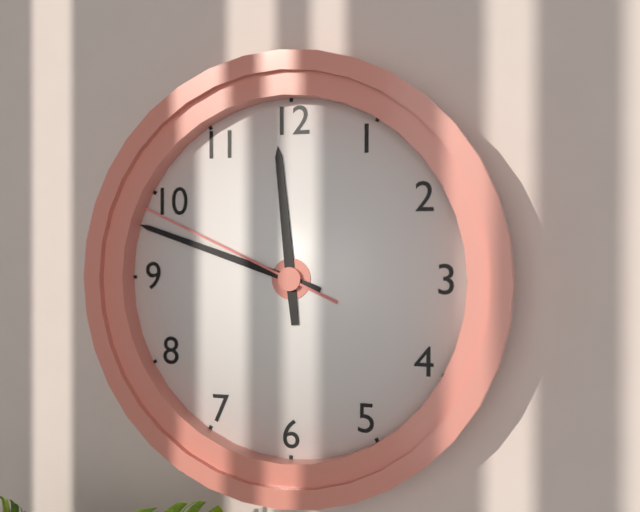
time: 11:48:49
